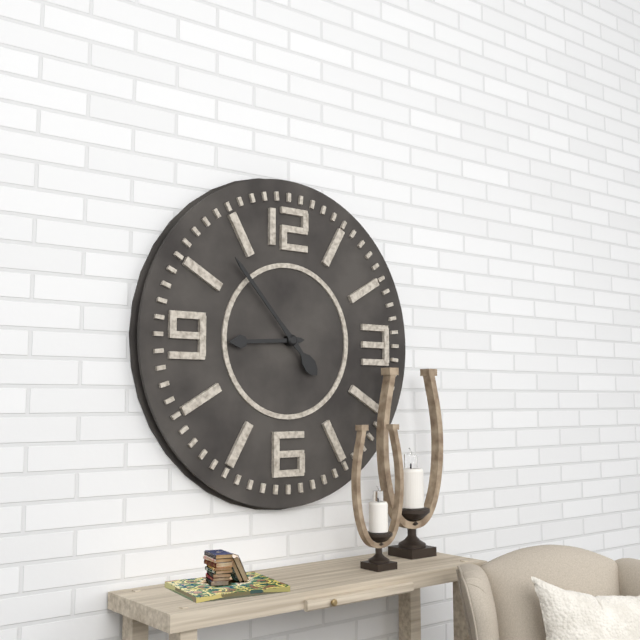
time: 8:53
